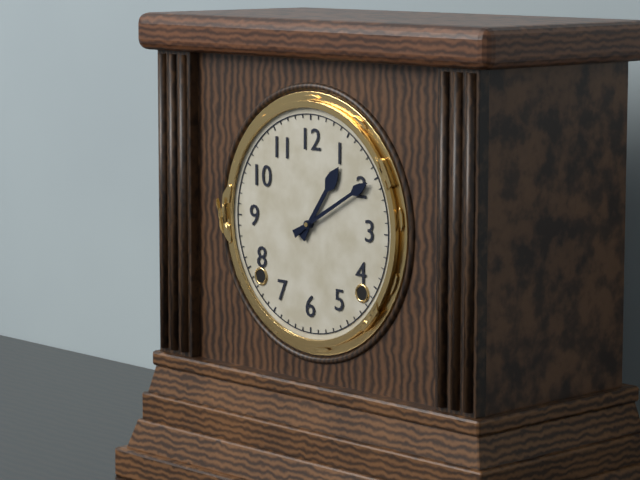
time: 1:10
